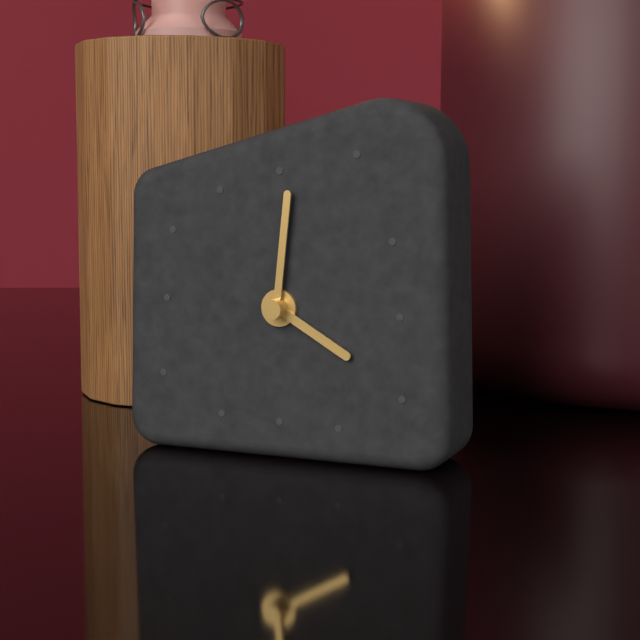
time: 4:01
